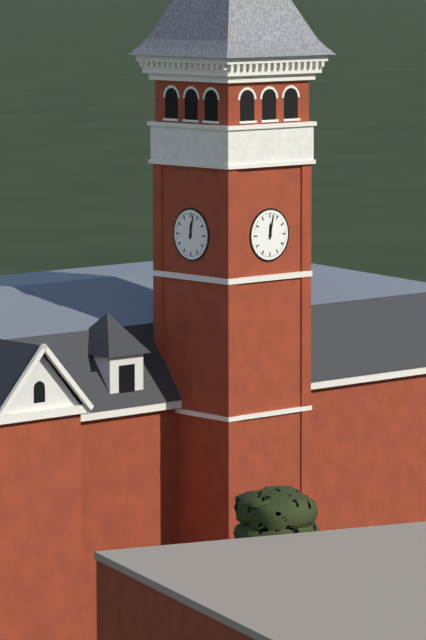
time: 12:02
